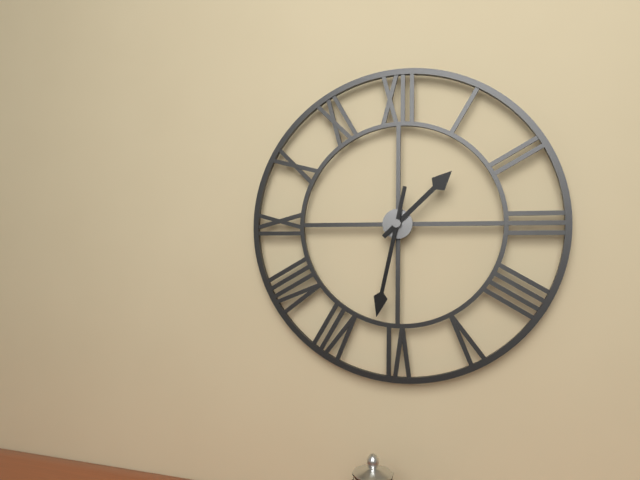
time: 1:32
